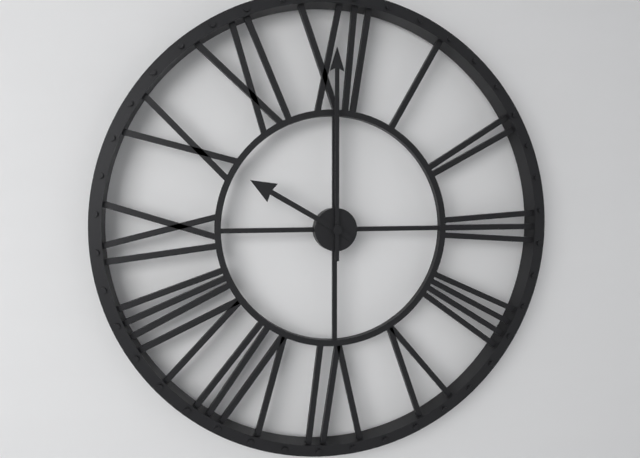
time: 10:00
